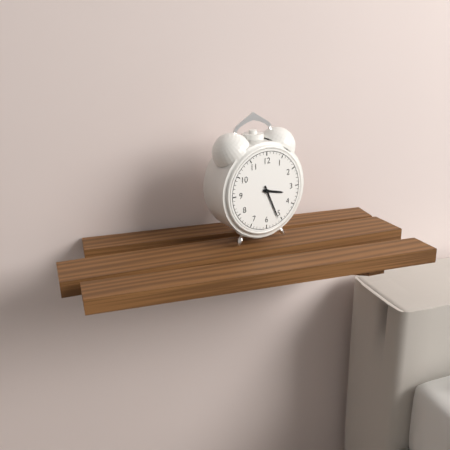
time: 3:26
